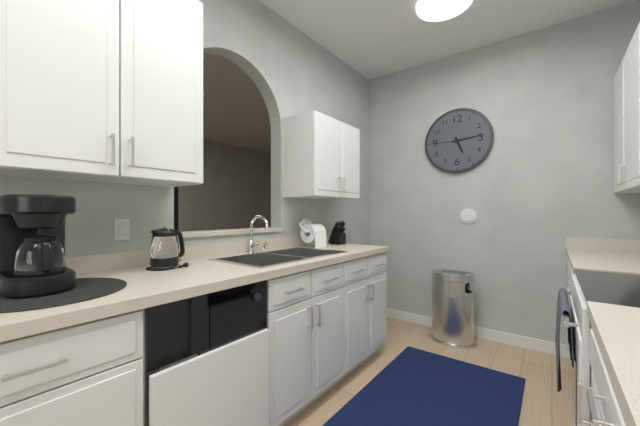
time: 5:14
